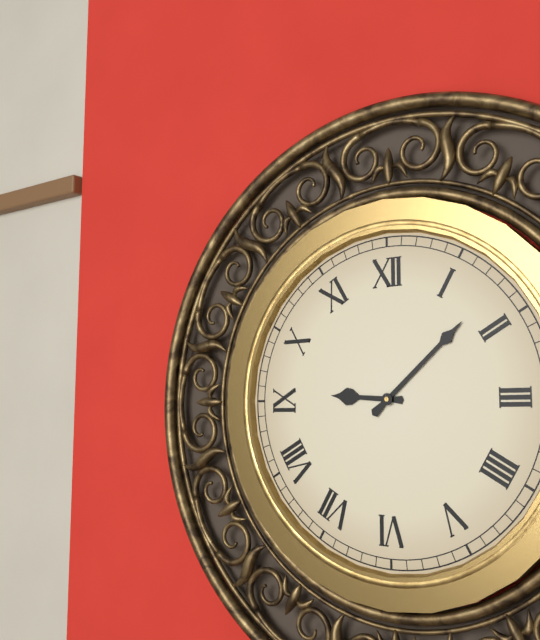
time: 9:08
